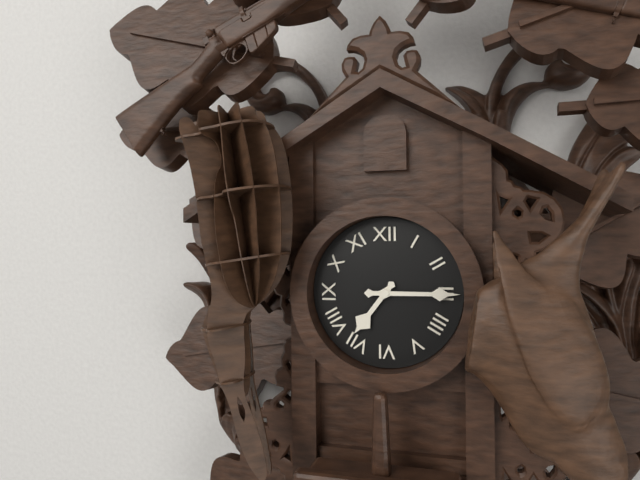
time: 7:15
